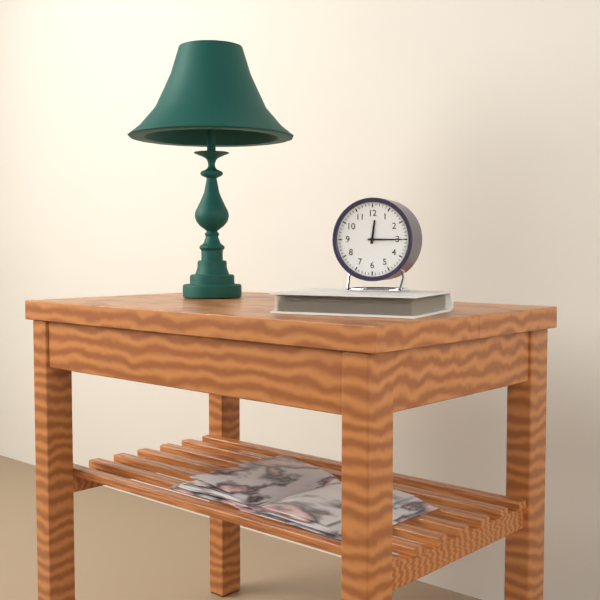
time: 12:15
